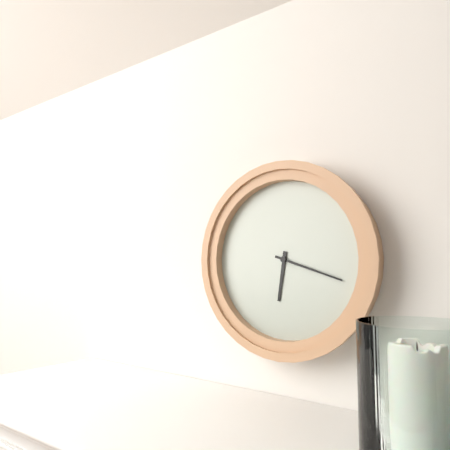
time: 6:18
